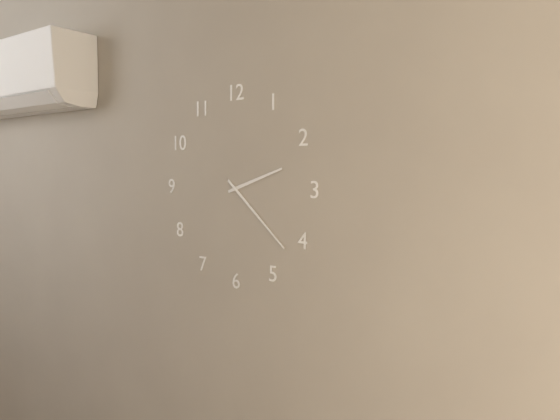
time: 2:22
